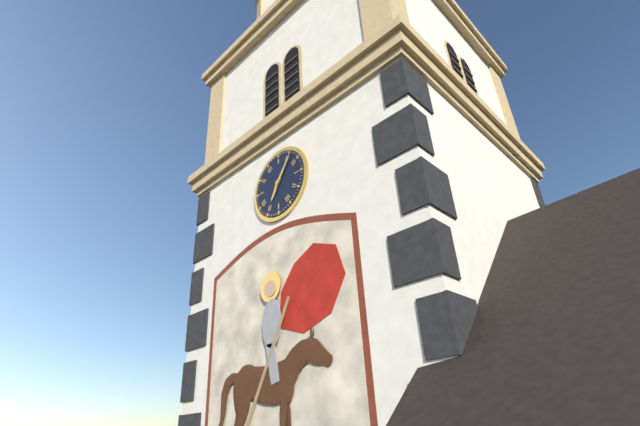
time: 7:06
